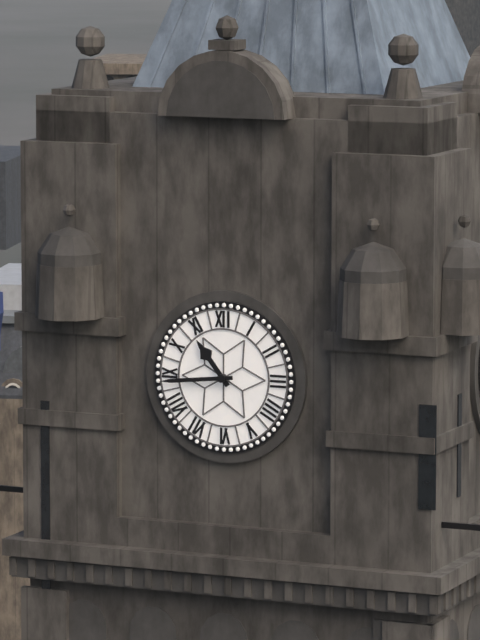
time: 10:44
